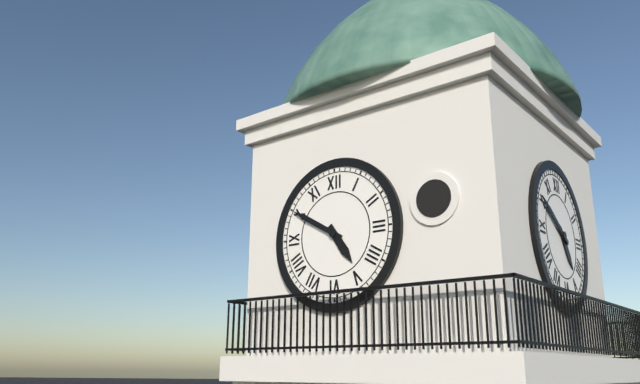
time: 4:50
